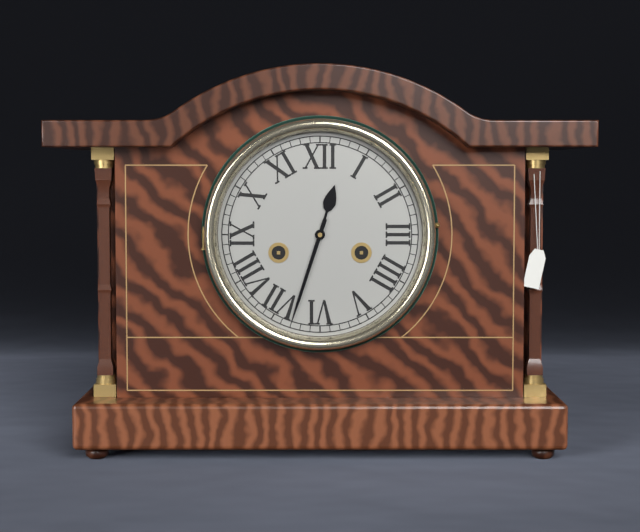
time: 12:33
